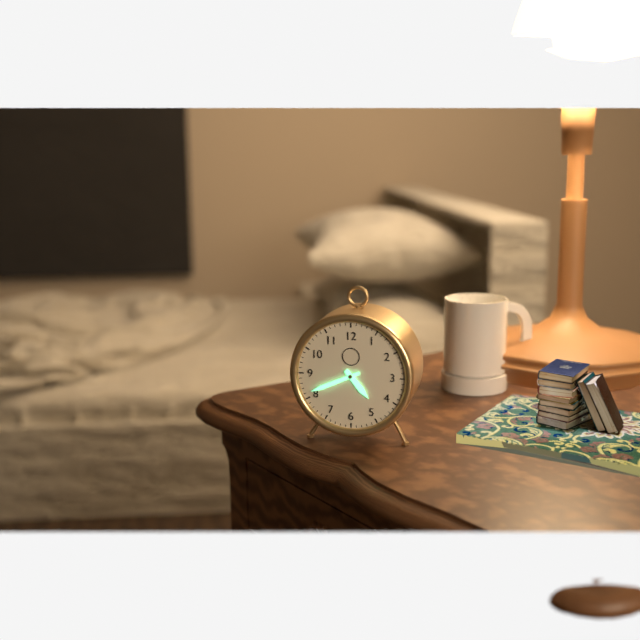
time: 4:41
